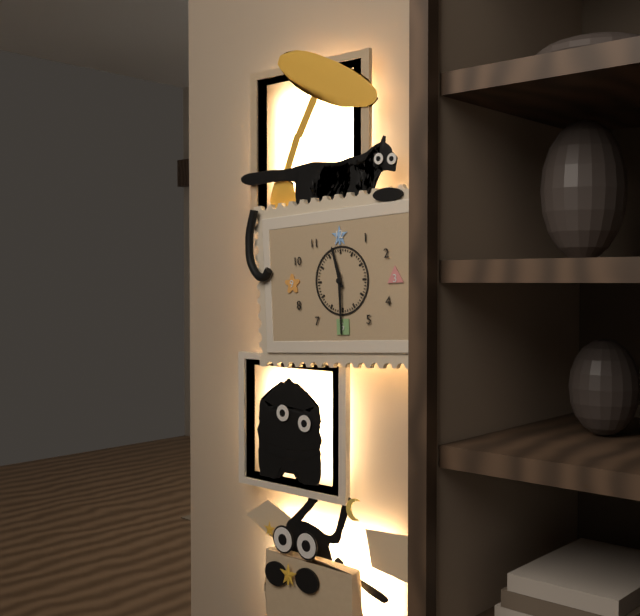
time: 11:30
